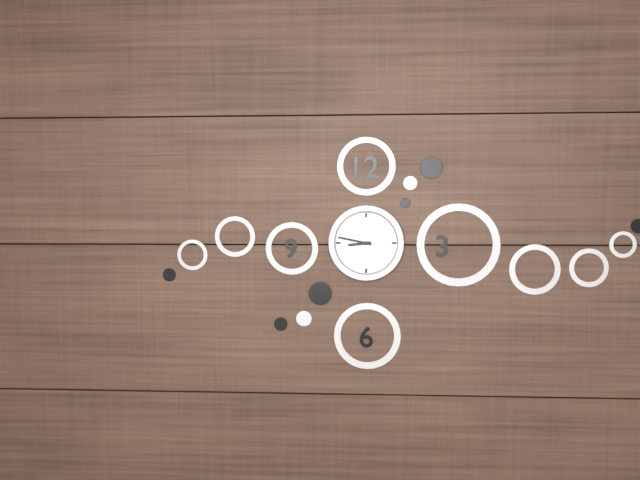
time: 8:47
